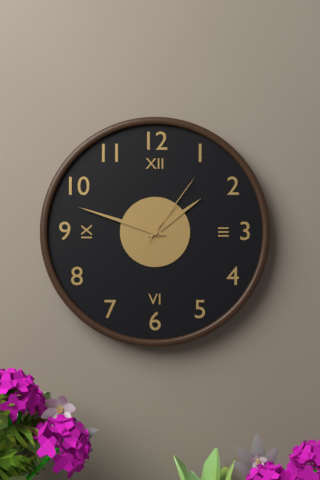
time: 1:48:06
